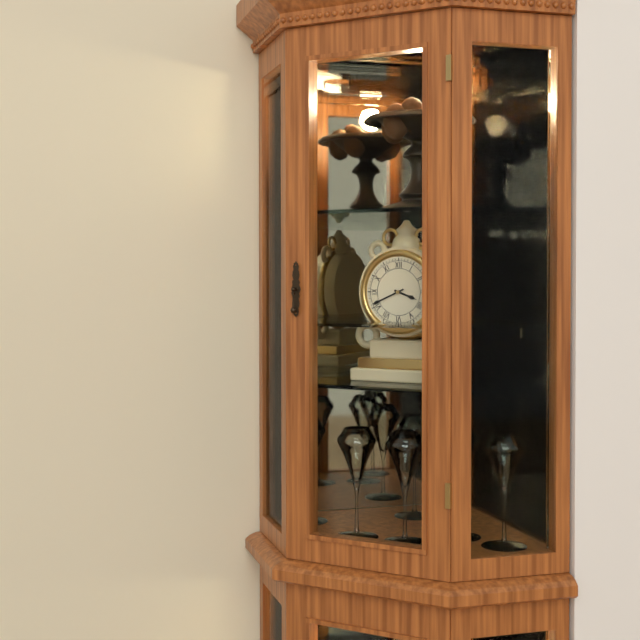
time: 3:41
